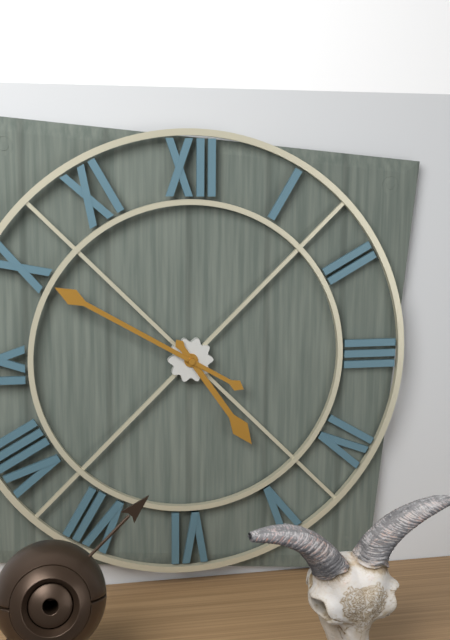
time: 4:50
